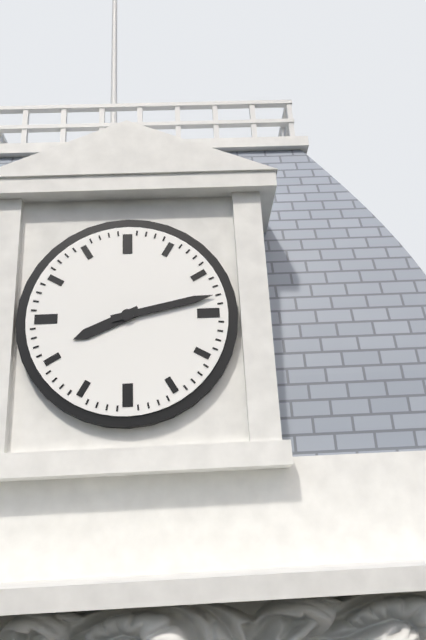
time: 8:13
